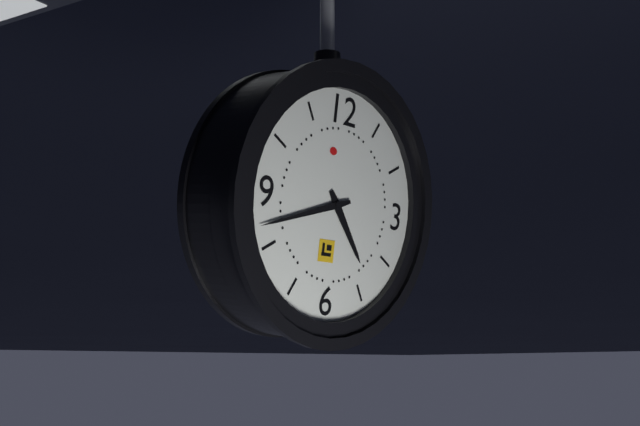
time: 4:42
